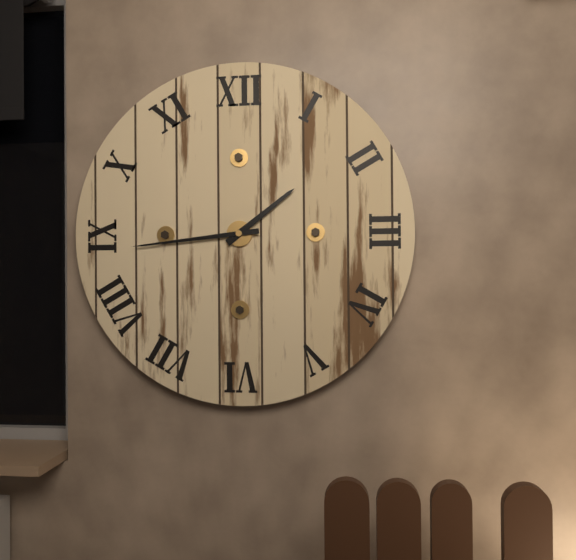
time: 1:44
